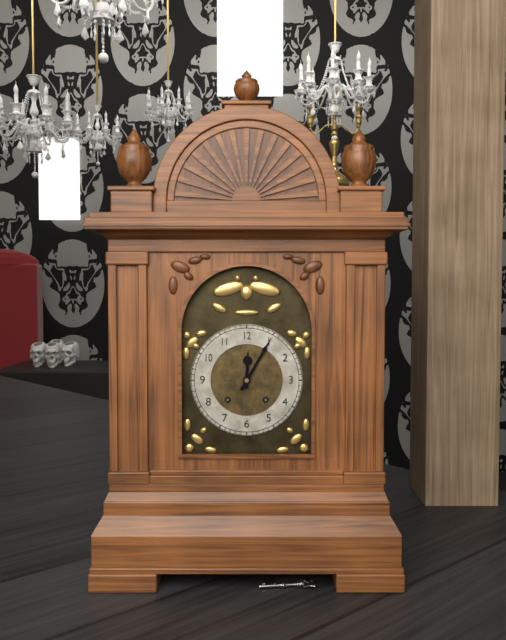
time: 12:05
